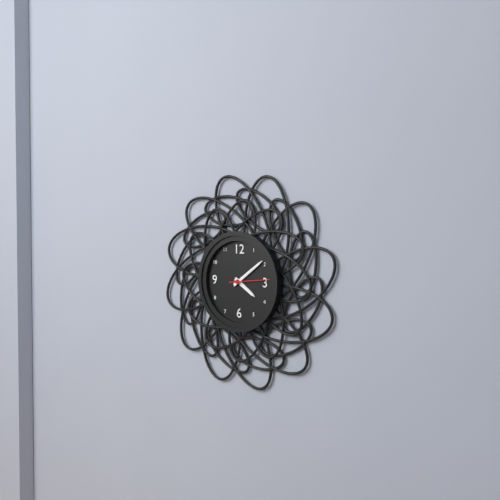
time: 4:09
